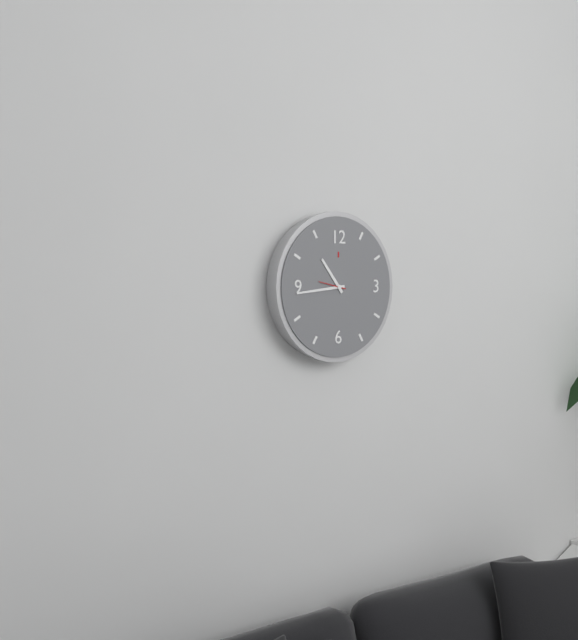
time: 10:44
